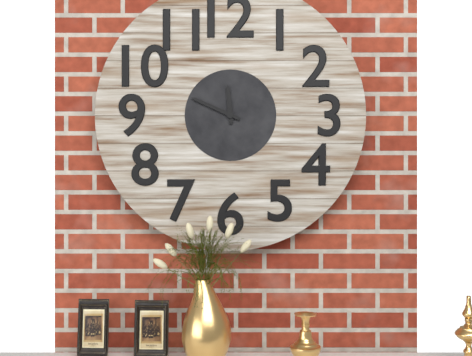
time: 11:49
